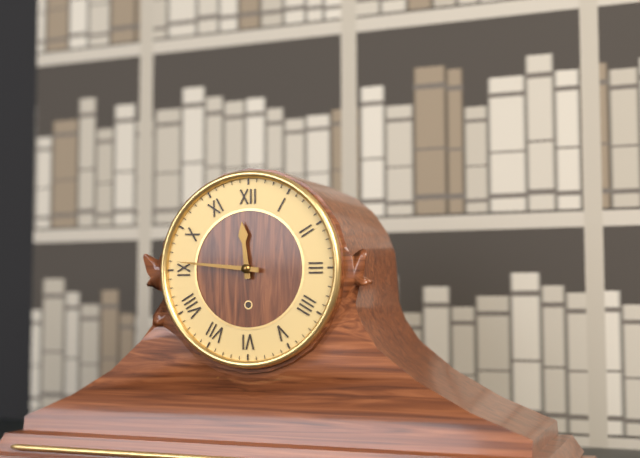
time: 11:46
